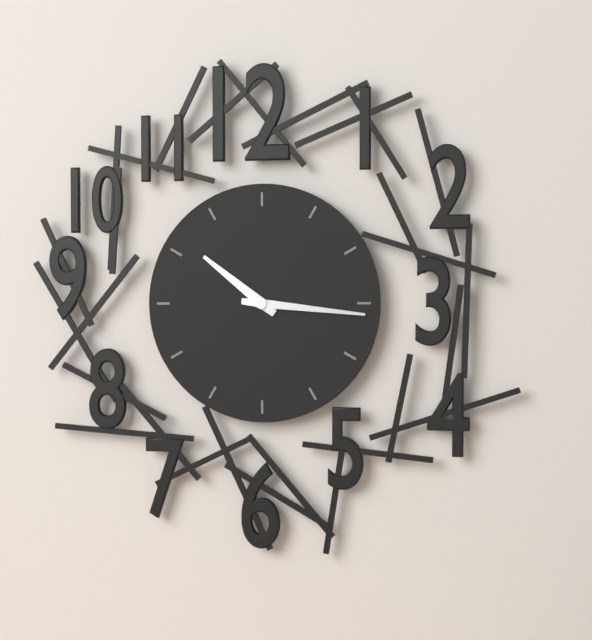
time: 10:16
